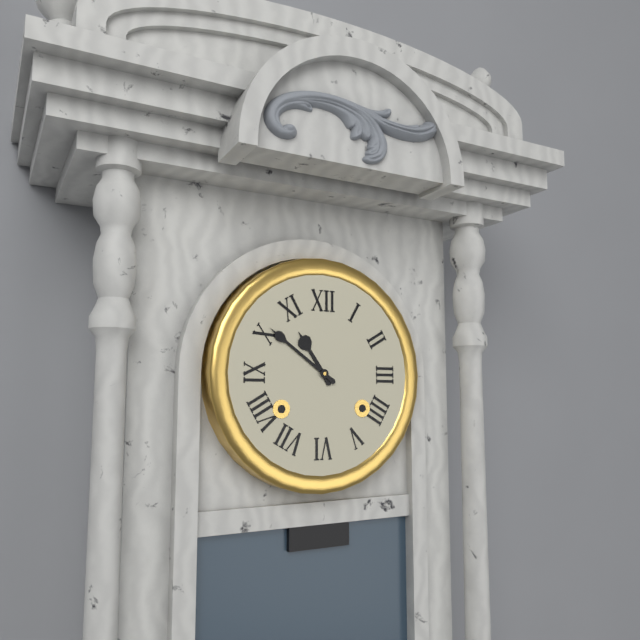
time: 10:51
